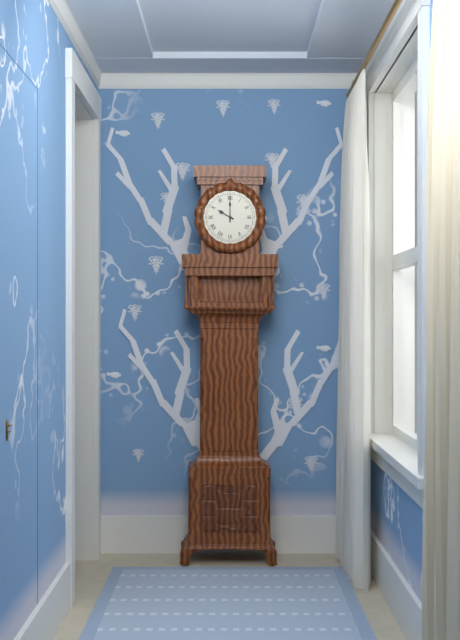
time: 10:00
